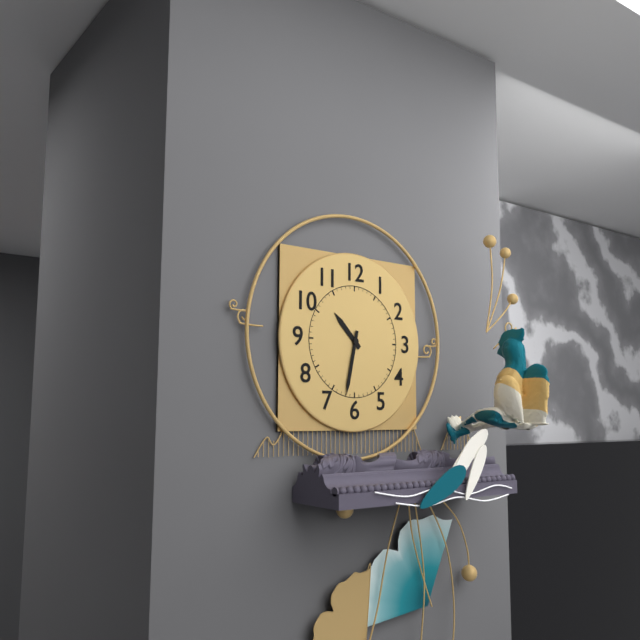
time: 10:32
